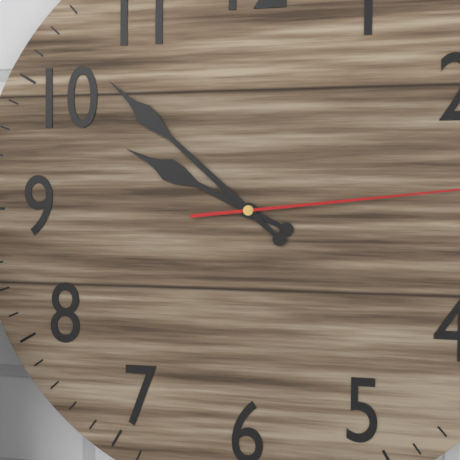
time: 9:52
